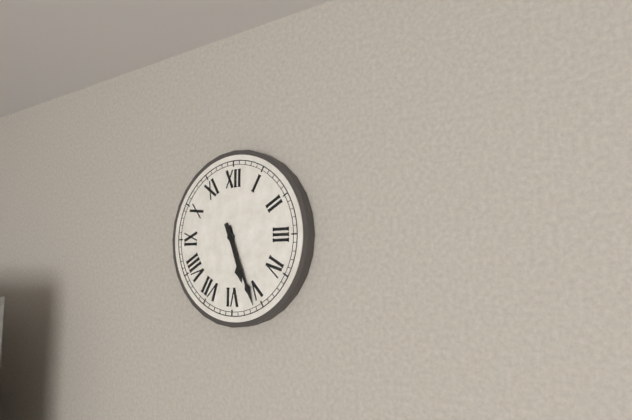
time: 5:26
